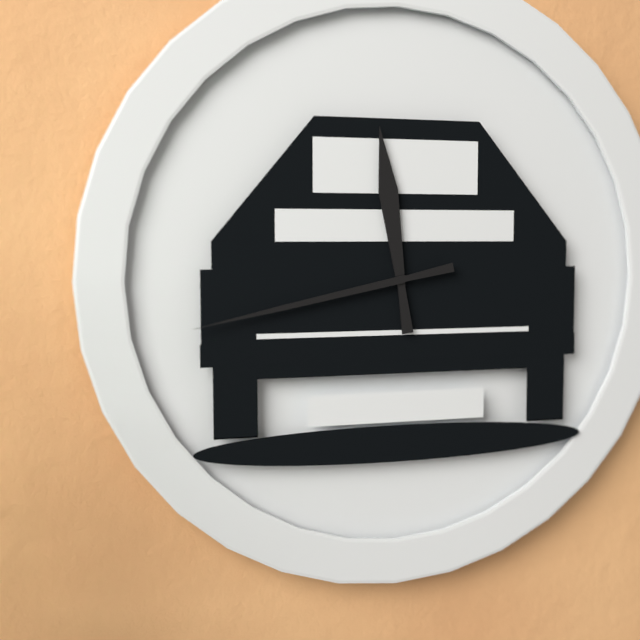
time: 11:43
